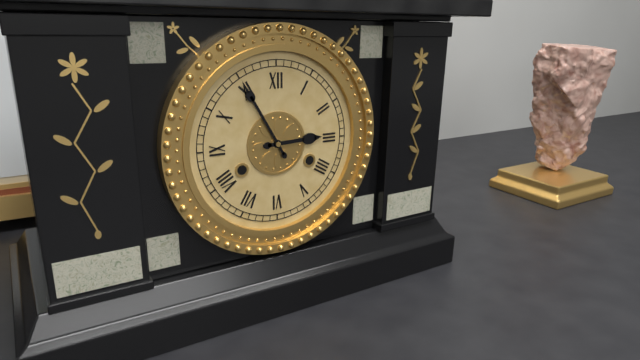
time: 2:55
